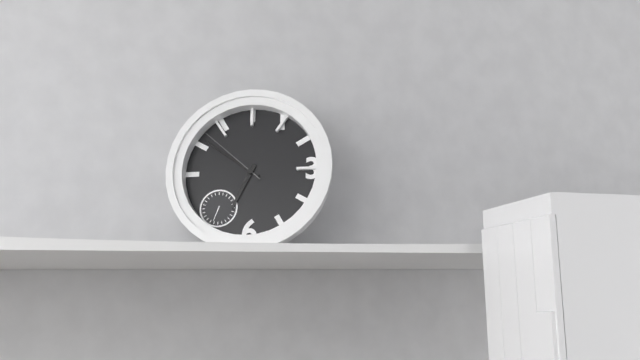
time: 6:51:52
